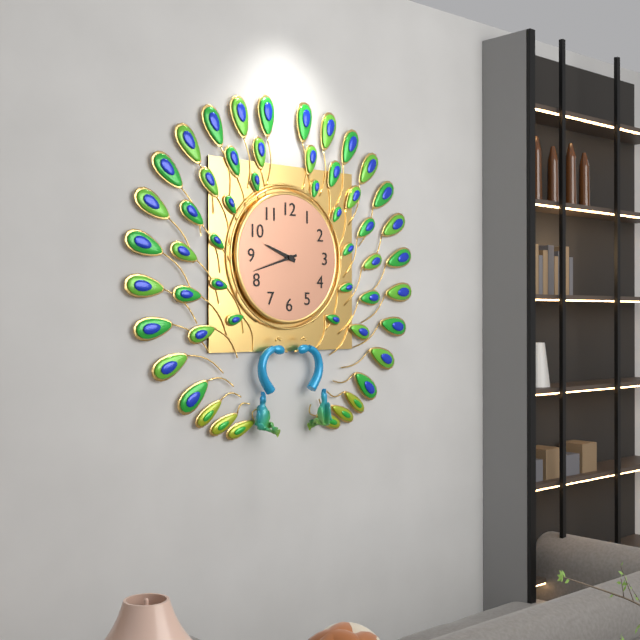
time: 9:42
